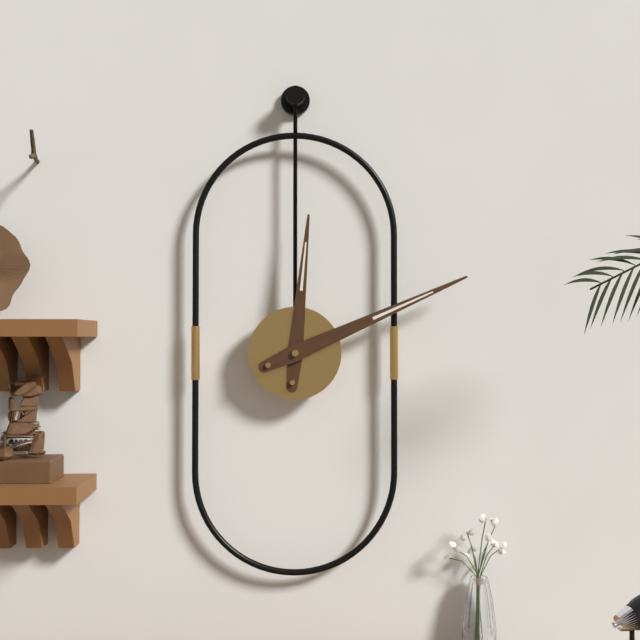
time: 12:11
